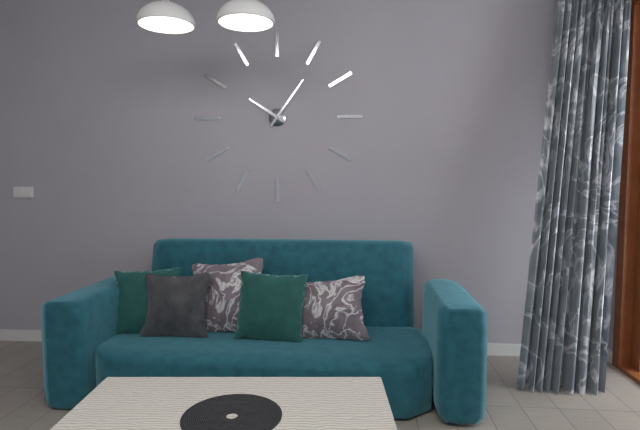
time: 10:06
